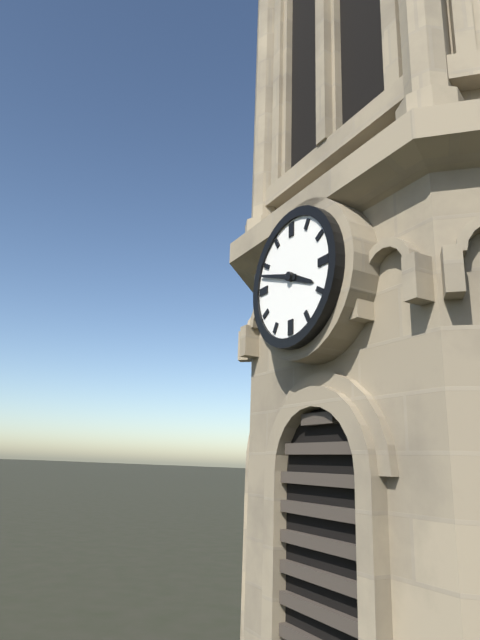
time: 3:48
